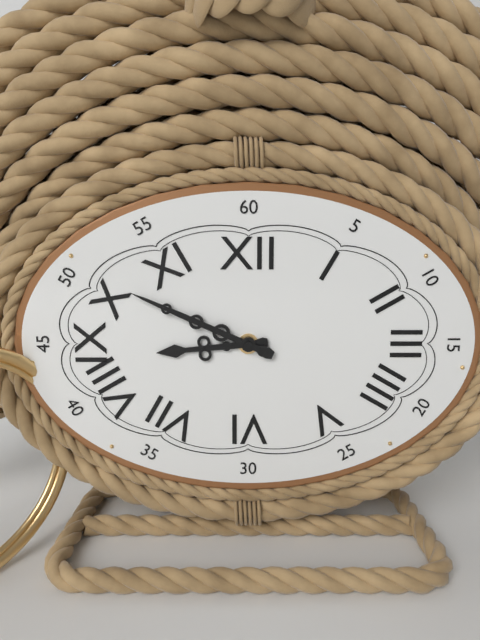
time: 8:49
